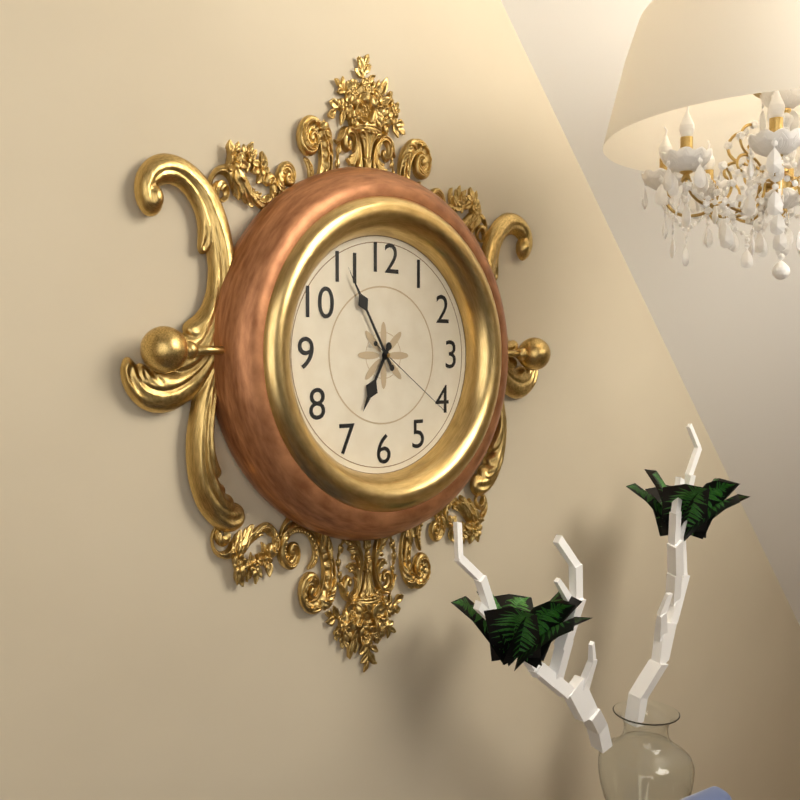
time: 6:55:21
